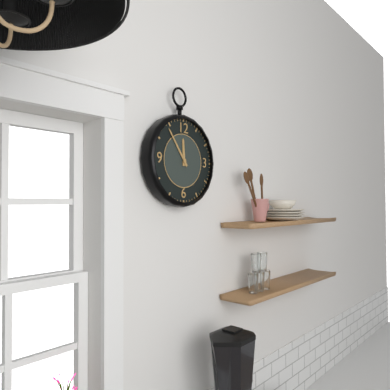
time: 11:54
